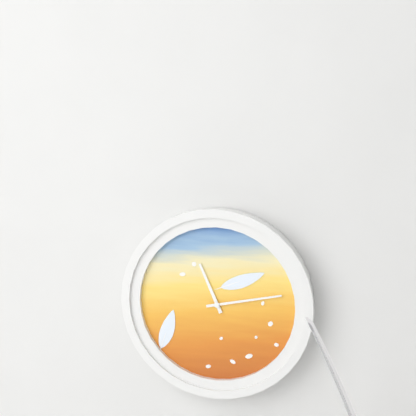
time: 11:13
